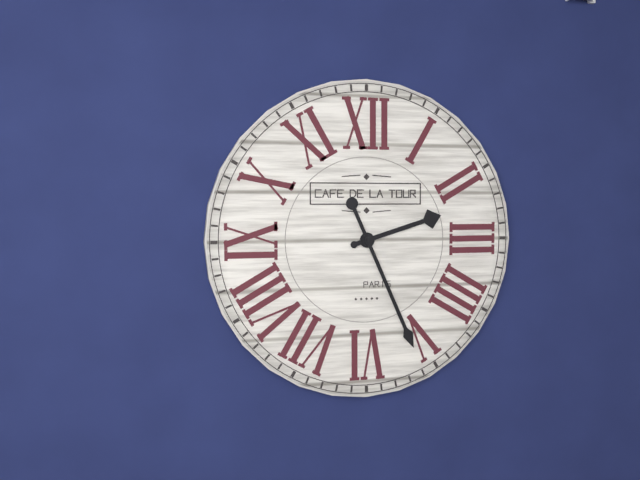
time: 2:26
